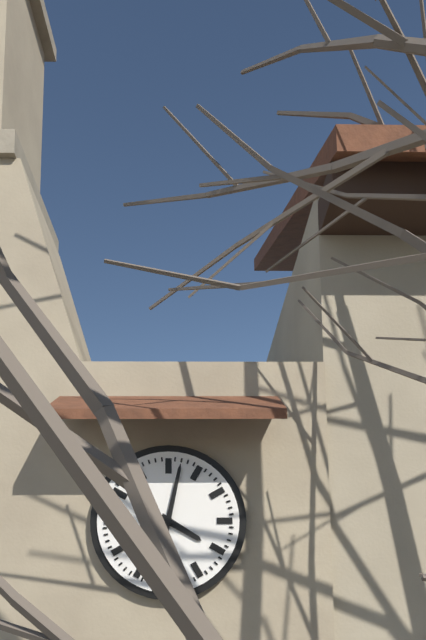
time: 4:02
